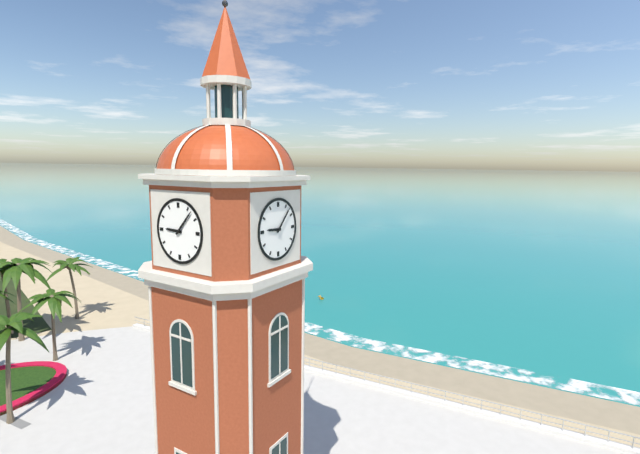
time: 9:07
